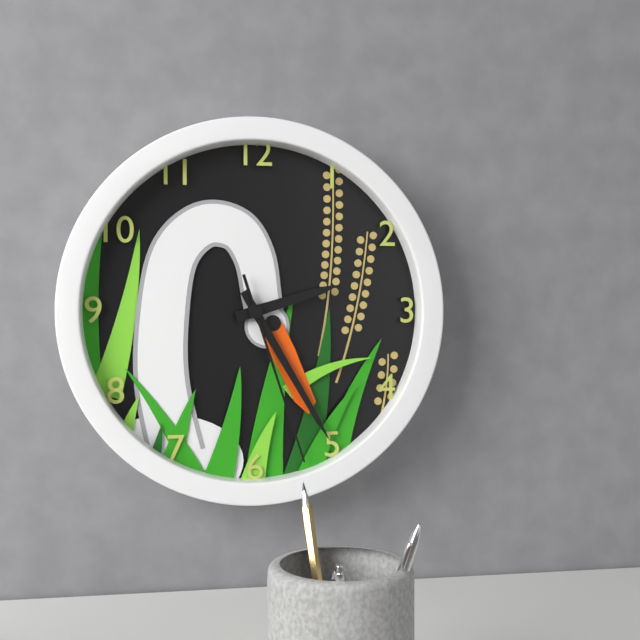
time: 2:25:27
